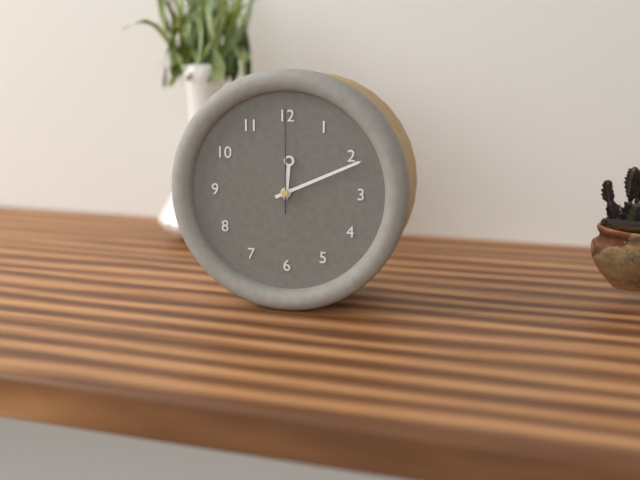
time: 12:11:00
